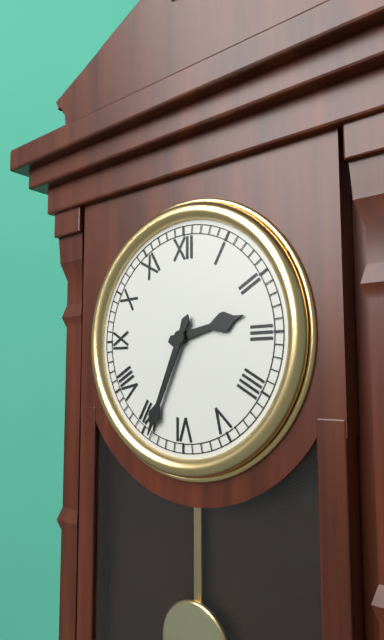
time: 2:34
